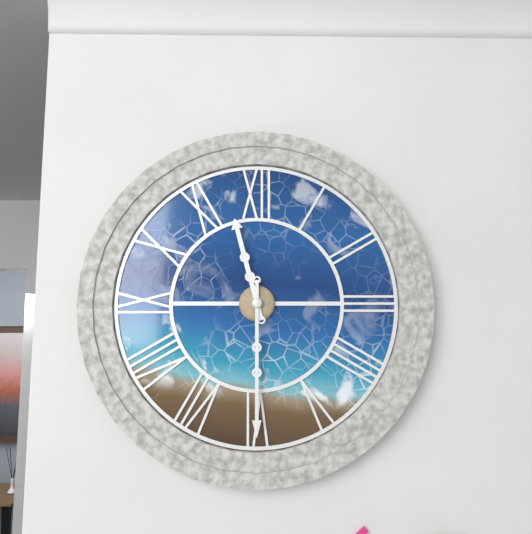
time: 11:30
